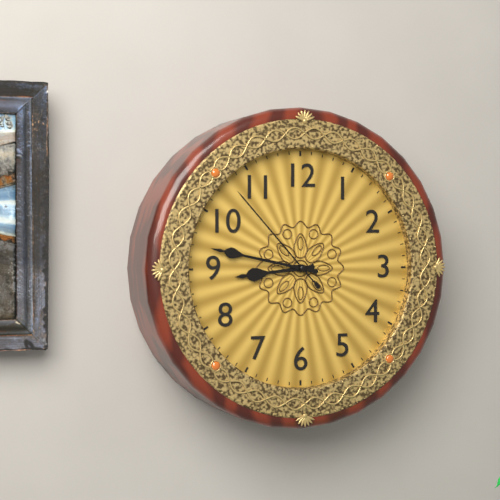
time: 8:47:53
